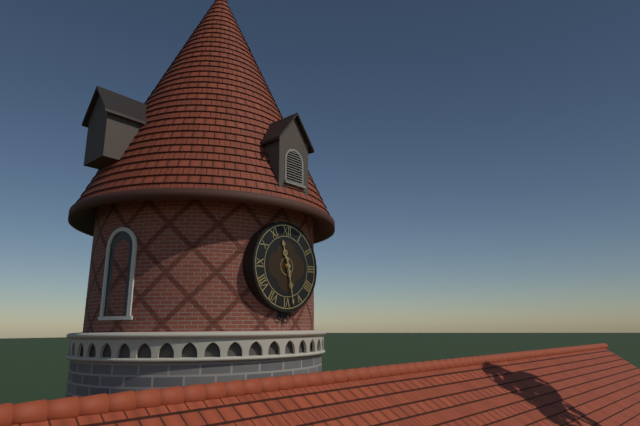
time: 11:28
